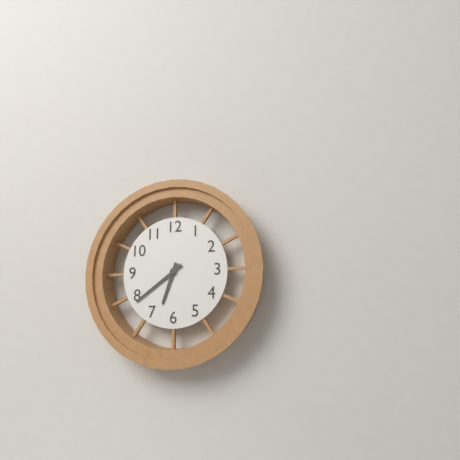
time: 6:39
